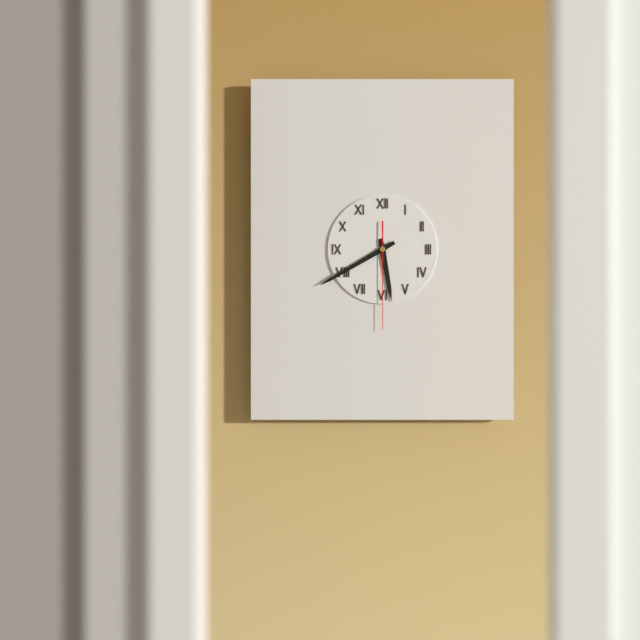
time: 5:40:30
